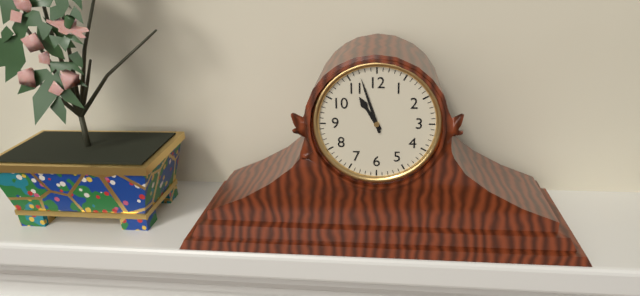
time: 10:57
